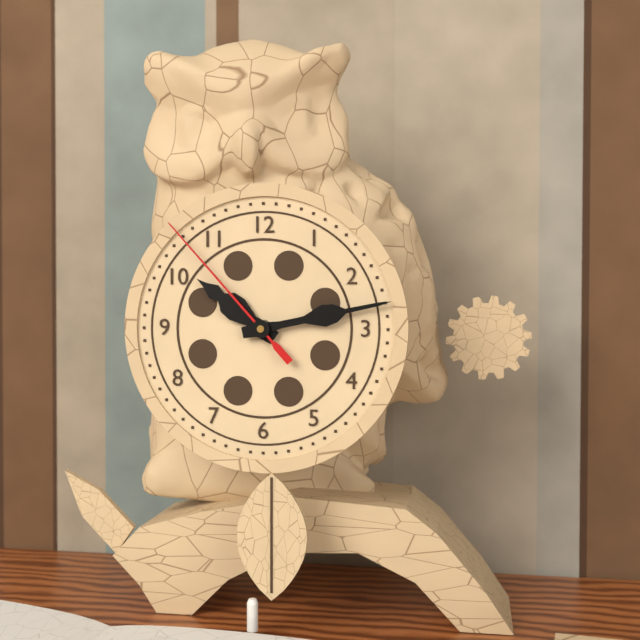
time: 10:13:53
